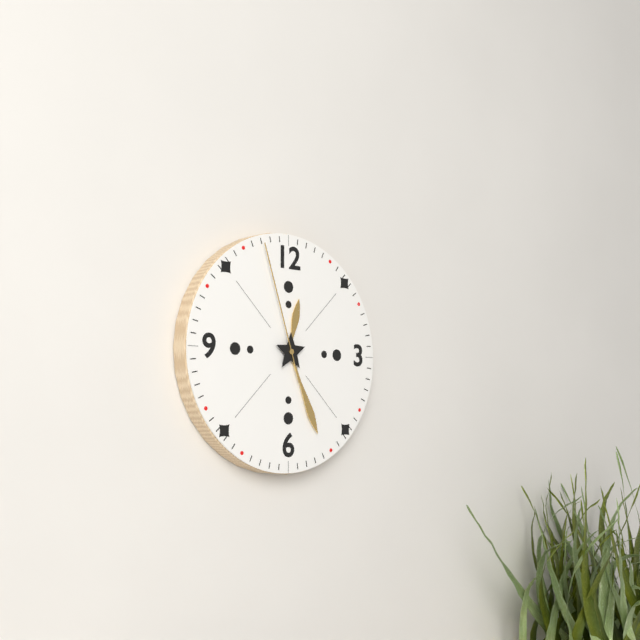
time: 12:26:57
